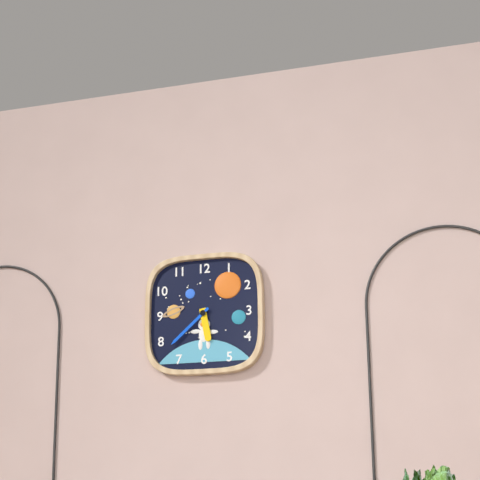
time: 5:38
